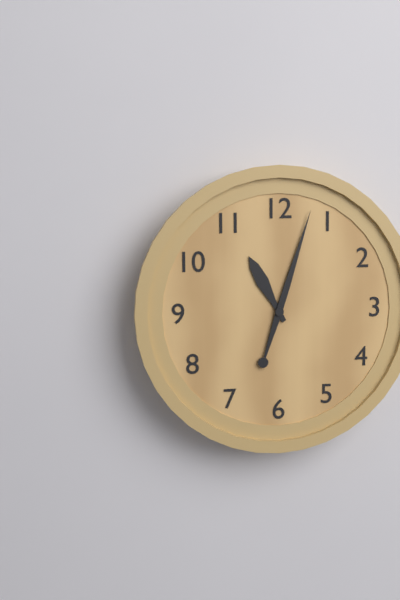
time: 11:03
